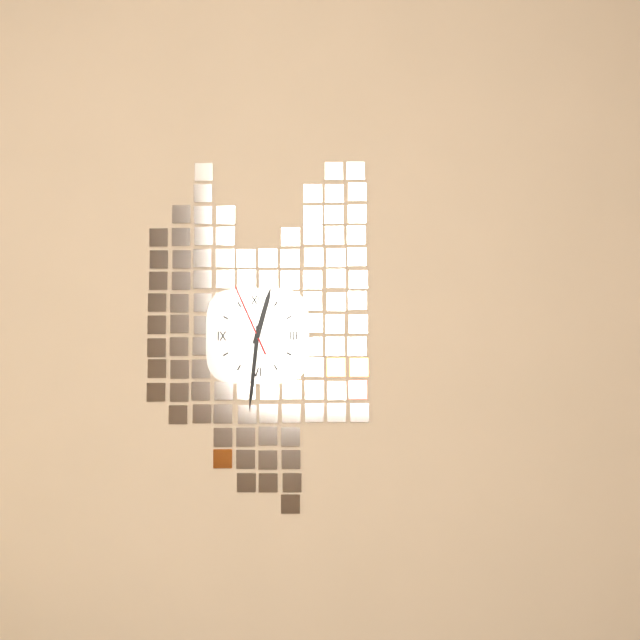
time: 12:31:56
